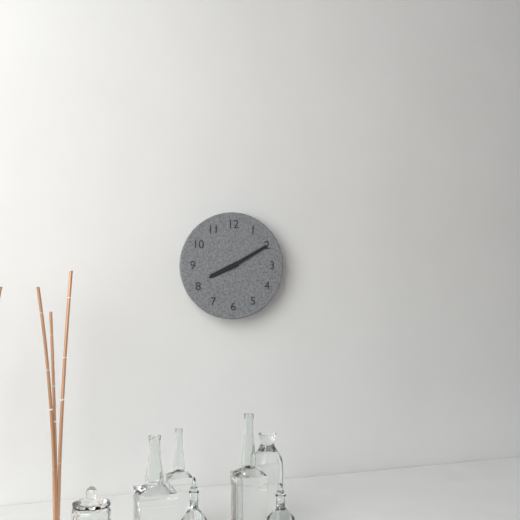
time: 8:10
